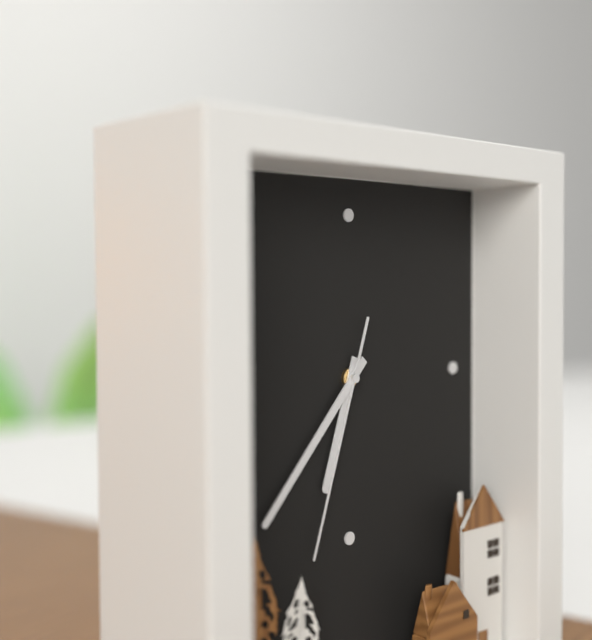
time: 6:37:33
